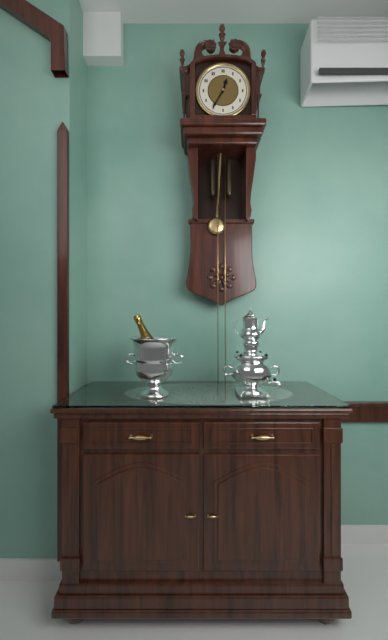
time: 12:35
